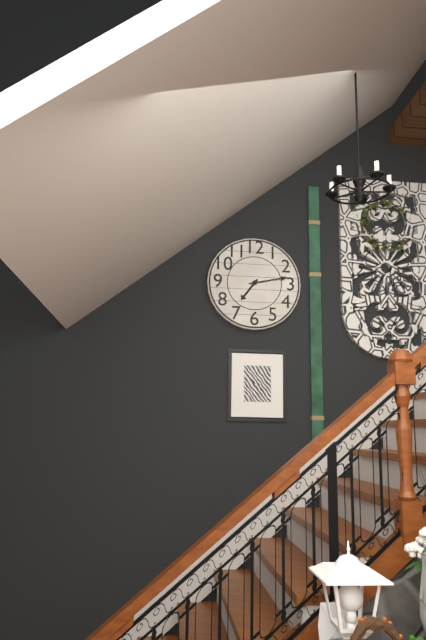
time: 7:13
